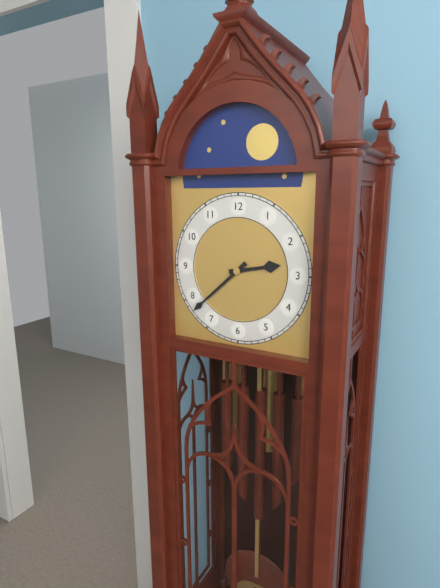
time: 2:38
